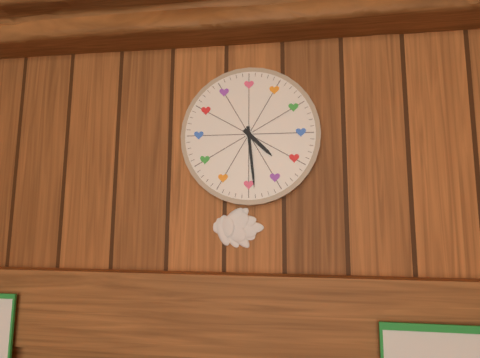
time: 4:29
